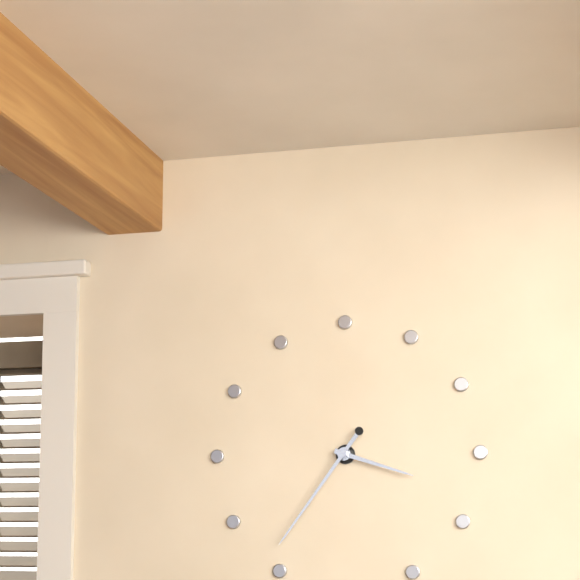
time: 3:36
